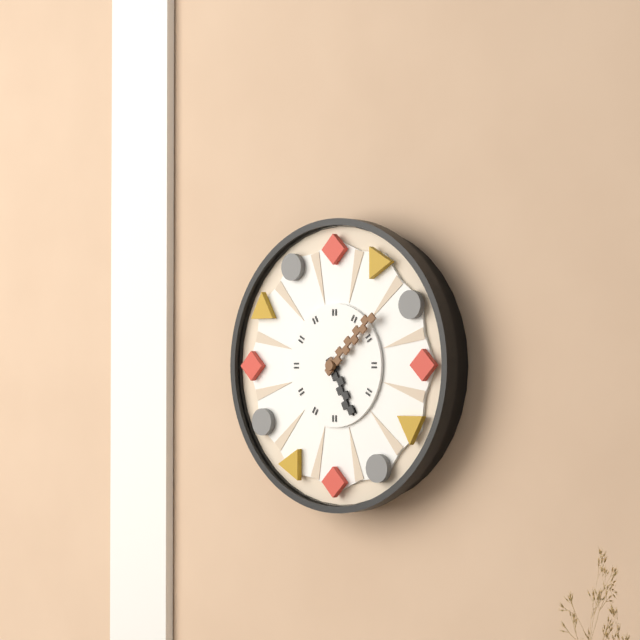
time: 5:08
